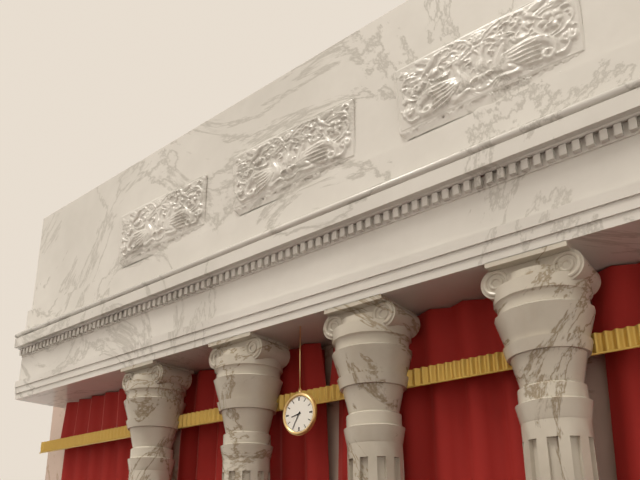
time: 8:35
